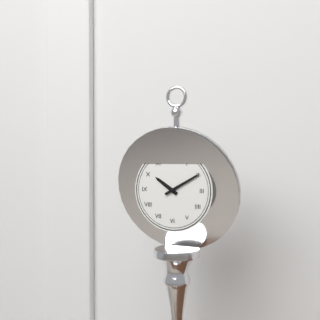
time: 10:10
